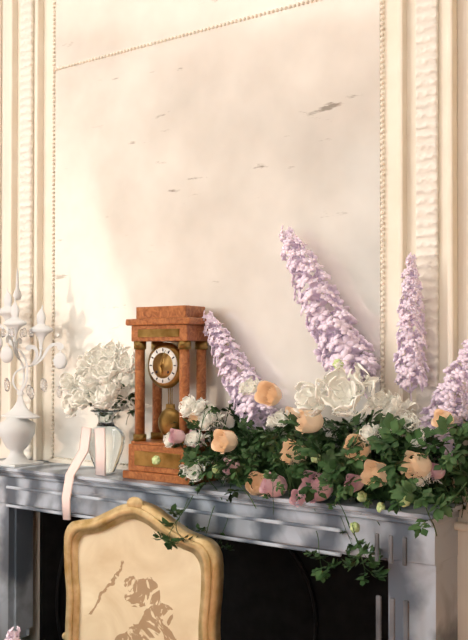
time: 6:03
